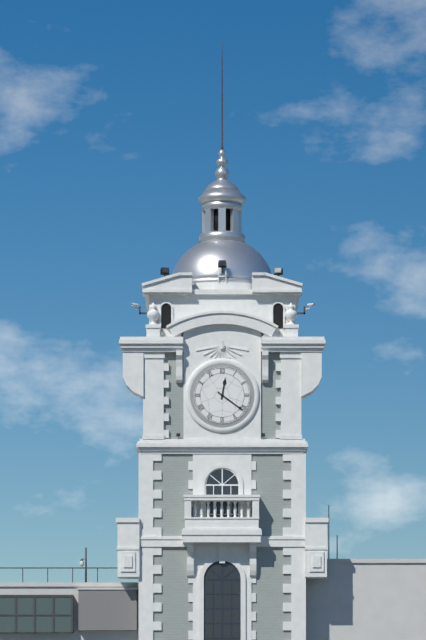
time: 12:21
